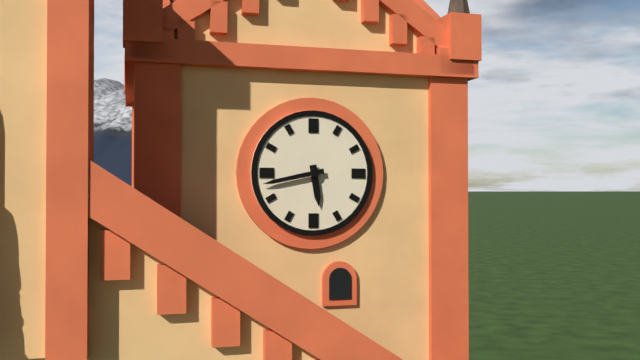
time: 5:43
